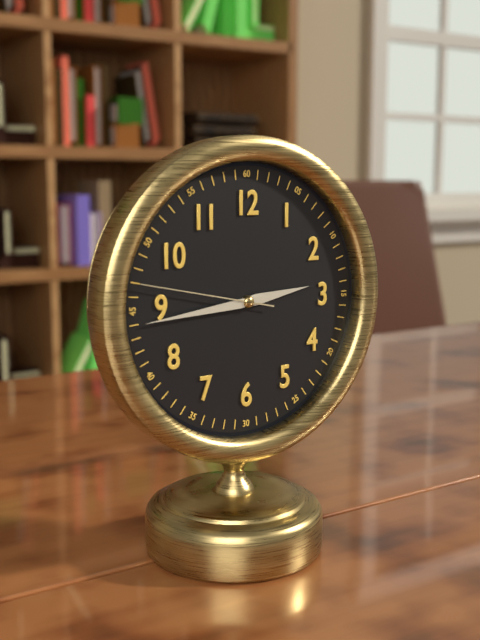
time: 2:44:47
